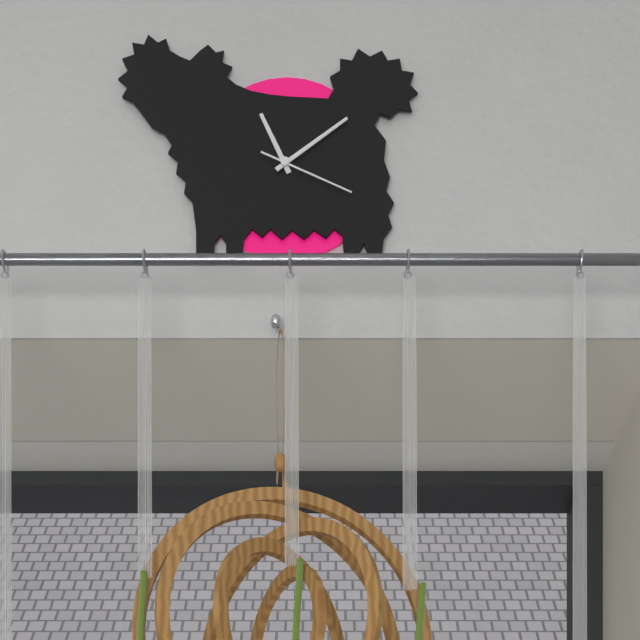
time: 11:09:19
